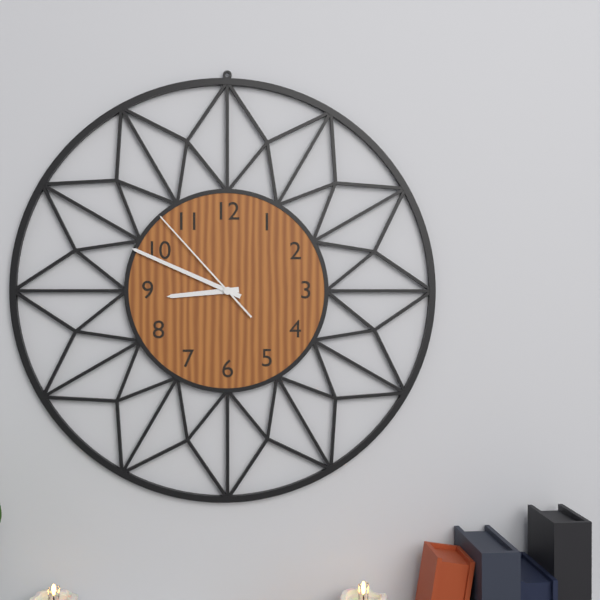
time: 8:49:53
